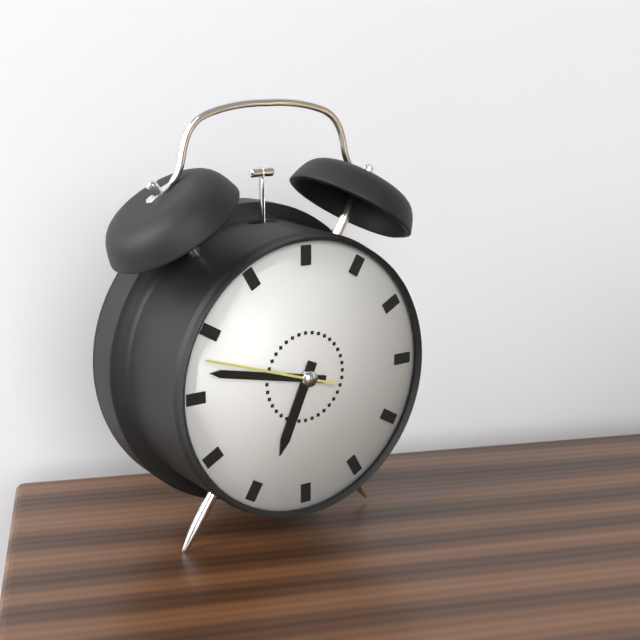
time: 6:47:48
